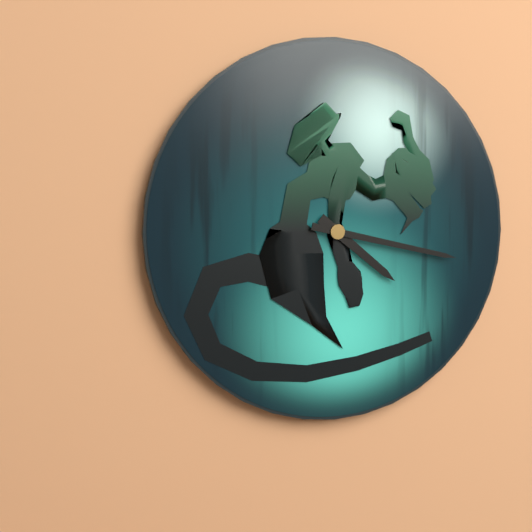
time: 4:17
